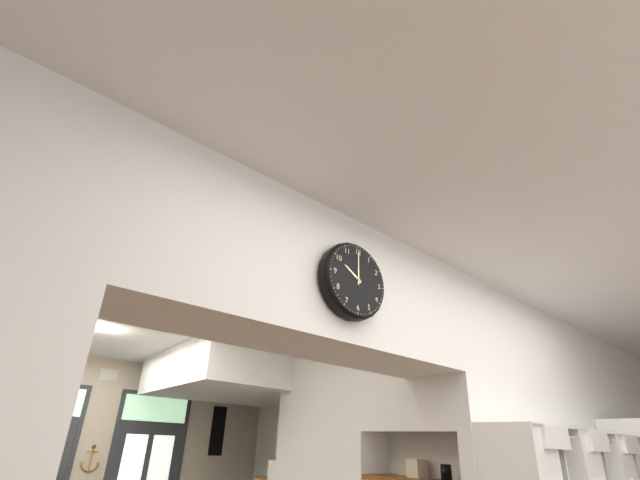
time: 10:00
